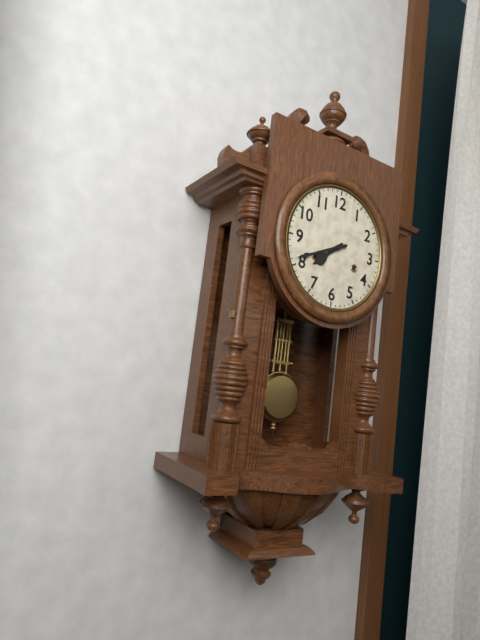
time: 7:41
